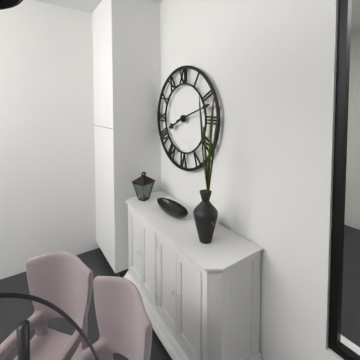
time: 8:12
